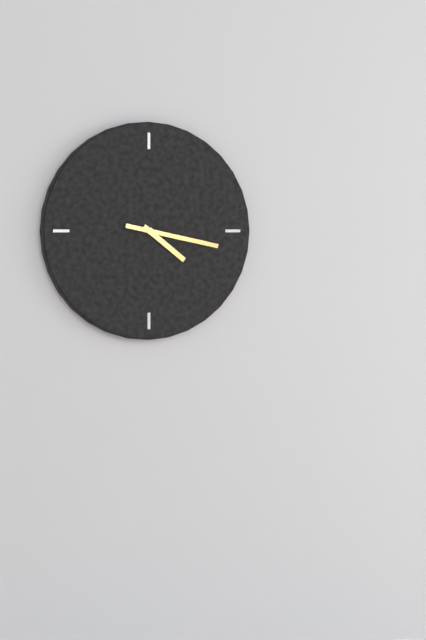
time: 4:17
